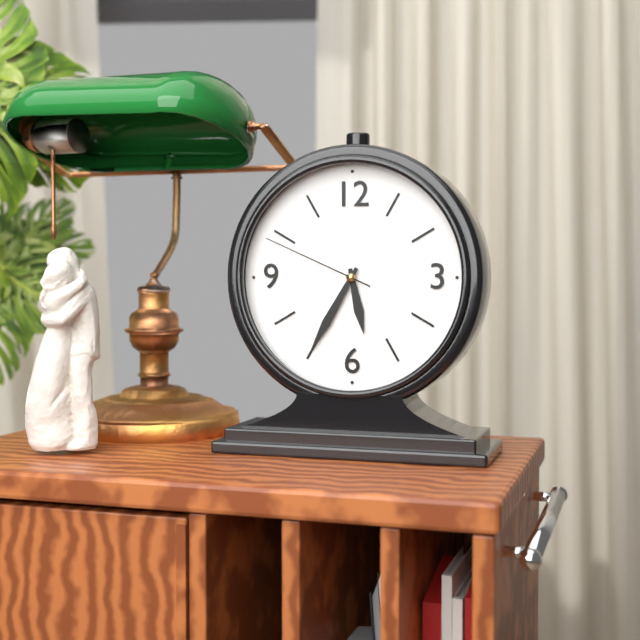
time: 5:35:49
